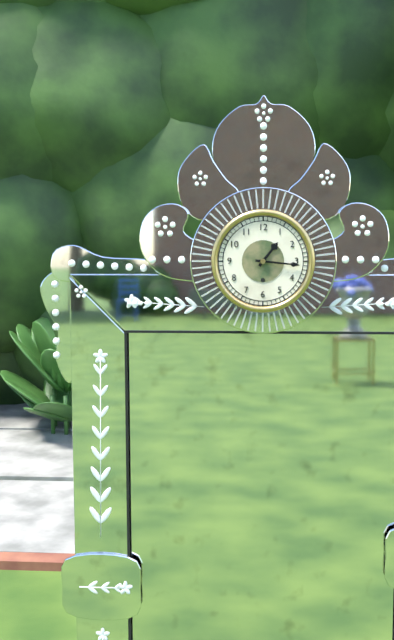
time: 1:16
